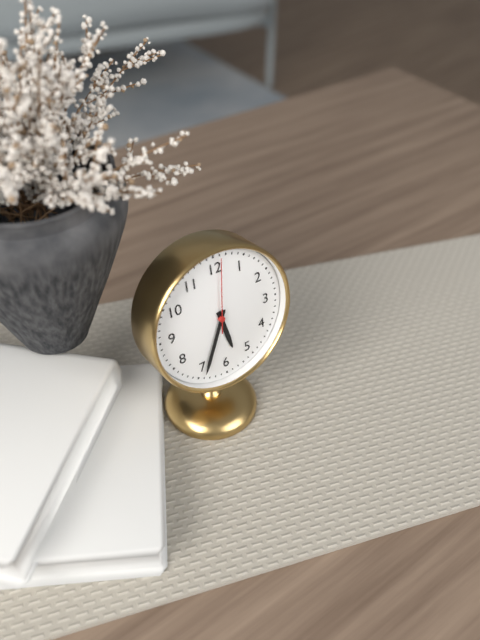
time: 5:34:01
